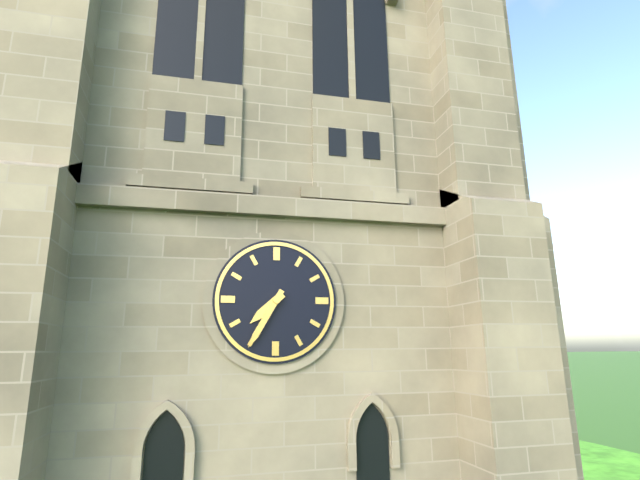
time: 7:35
